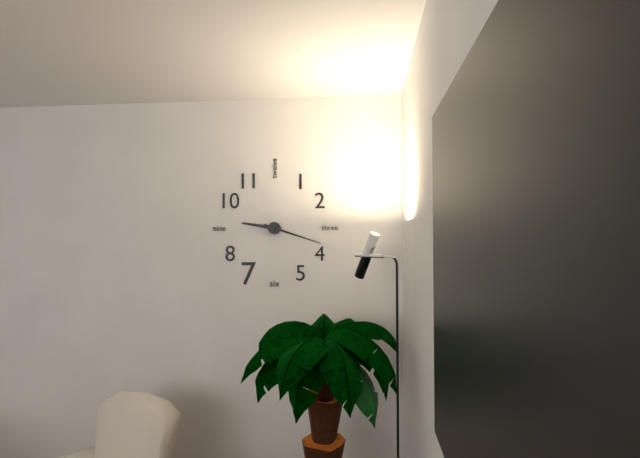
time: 9:18
